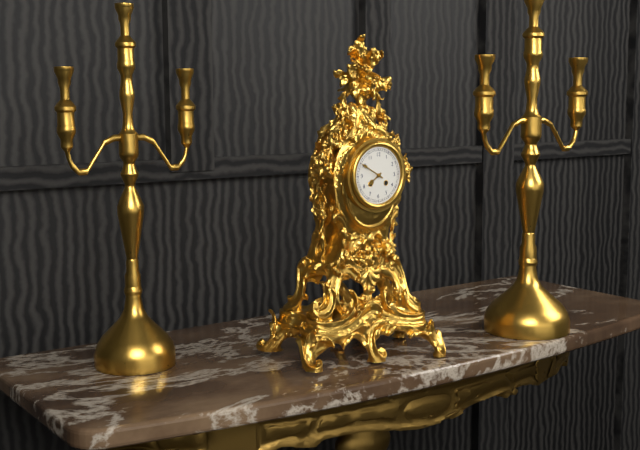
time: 7:50
